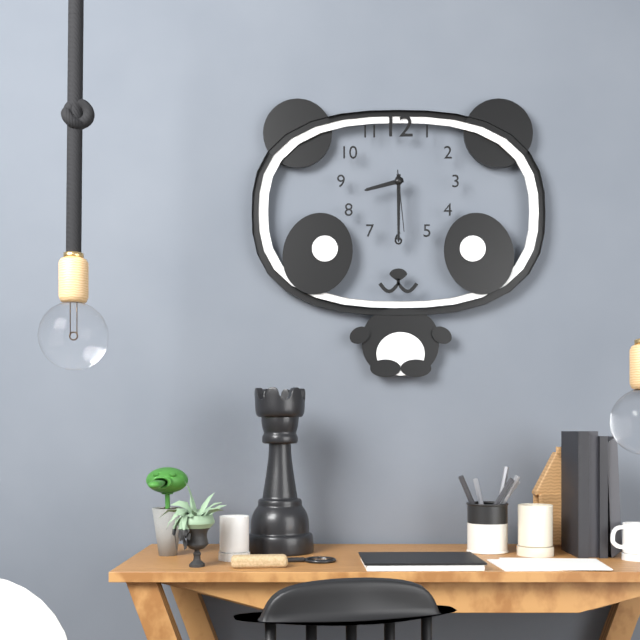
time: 8:30:29
